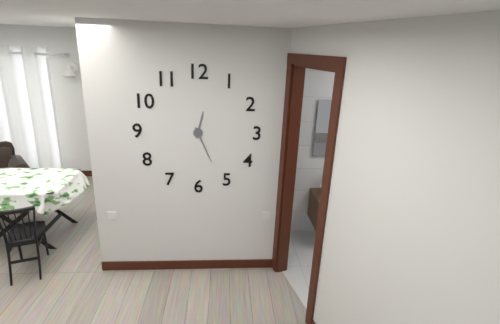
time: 12:26
